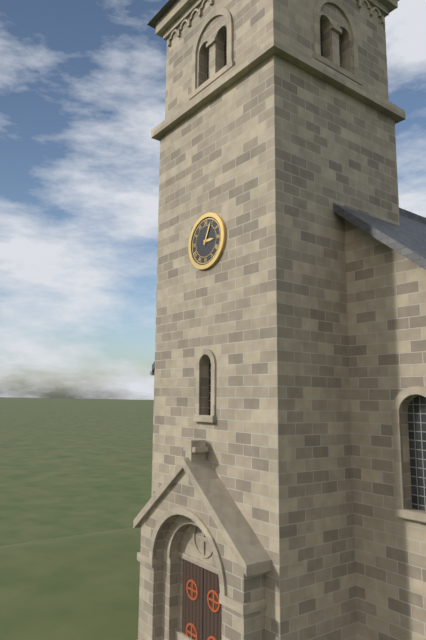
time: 3:04
